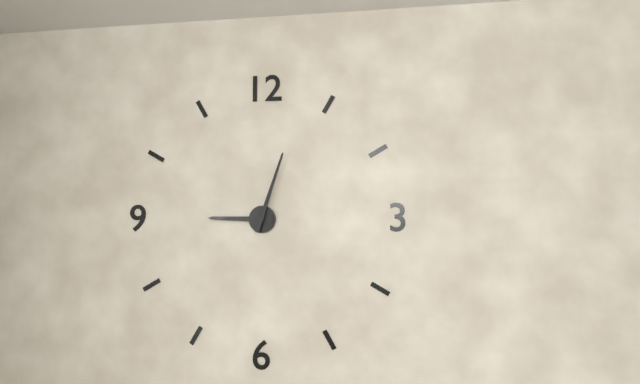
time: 9:03
